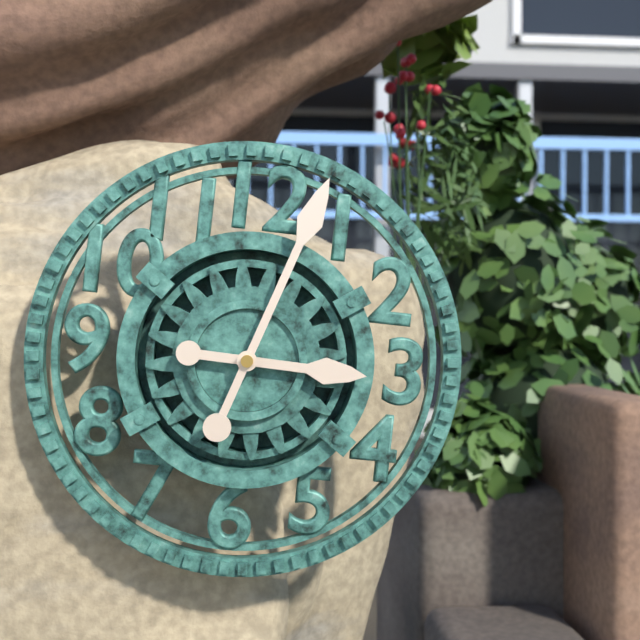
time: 3:03
